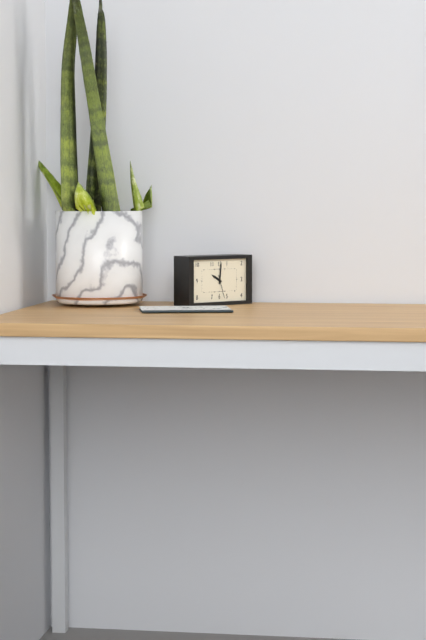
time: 10:01
